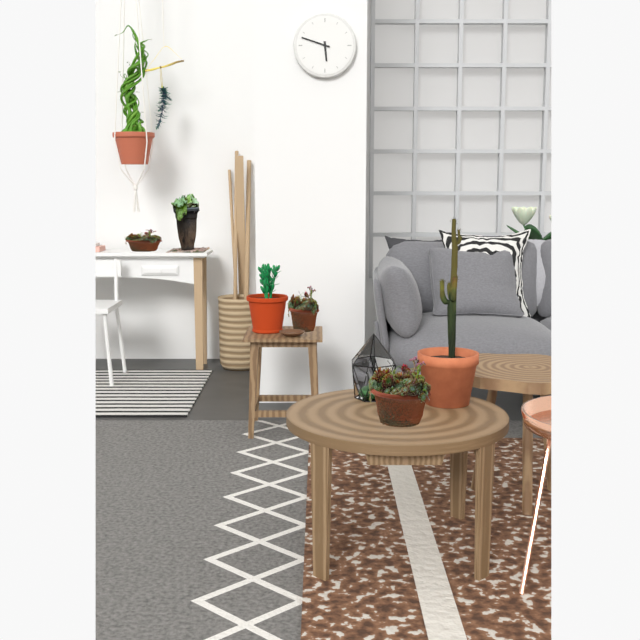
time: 5:48
